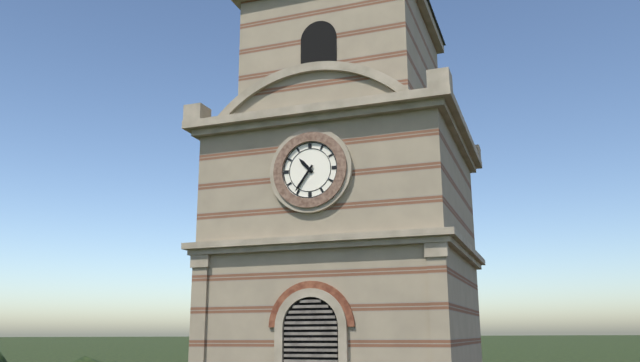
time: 10:36
